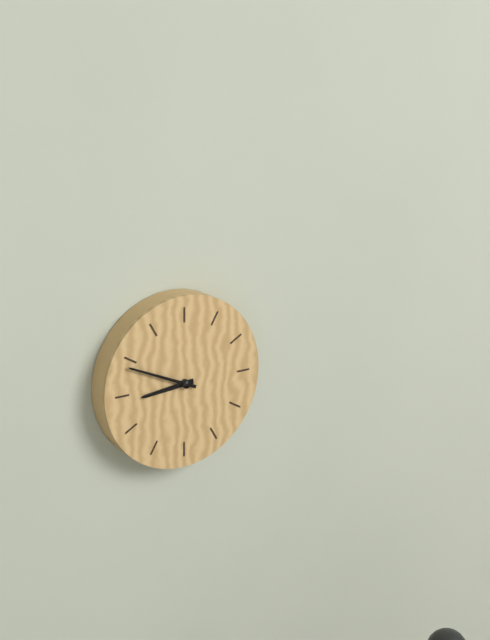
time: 8:49
